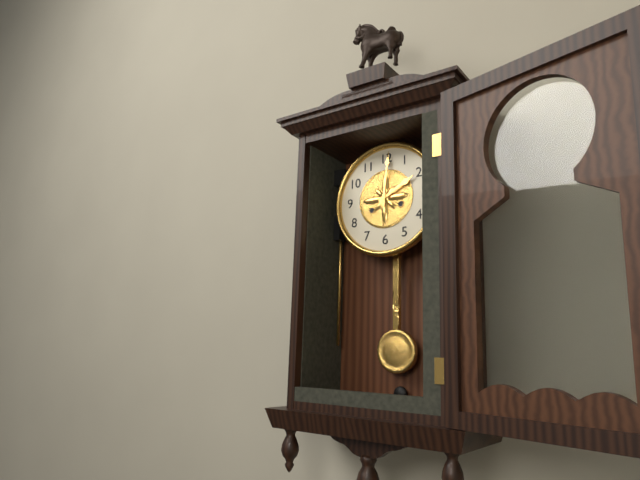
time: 2:01
